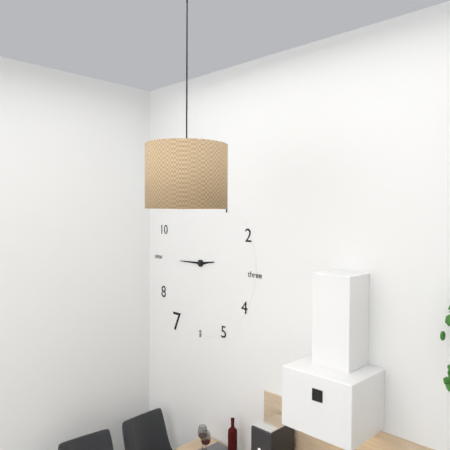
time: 2:45
